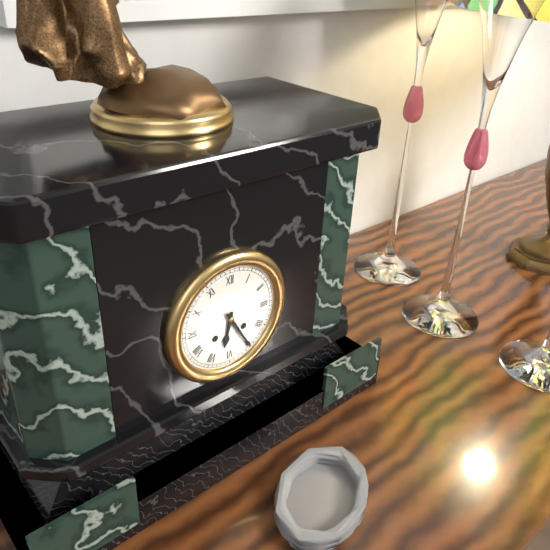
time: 6:25
